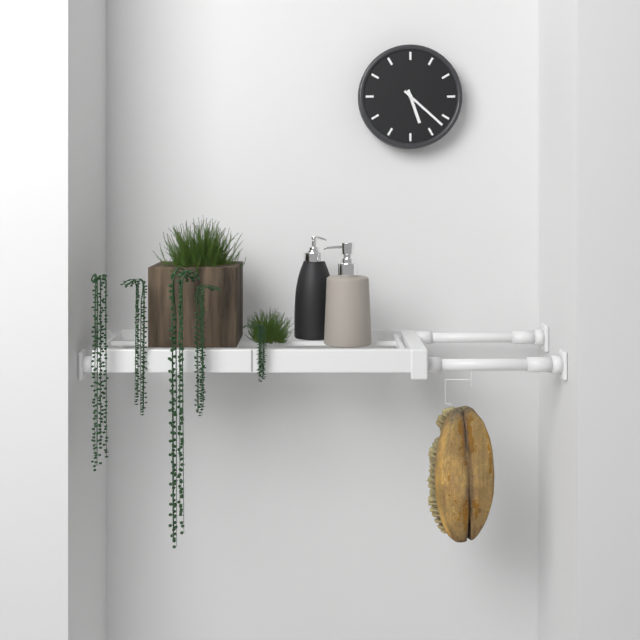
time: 5:22
